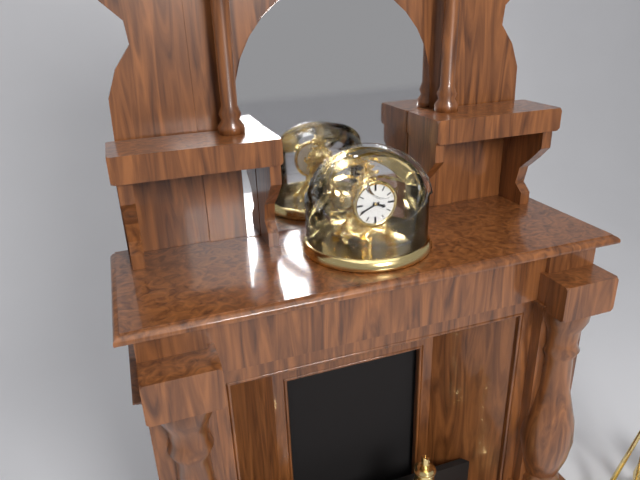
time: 3:41
